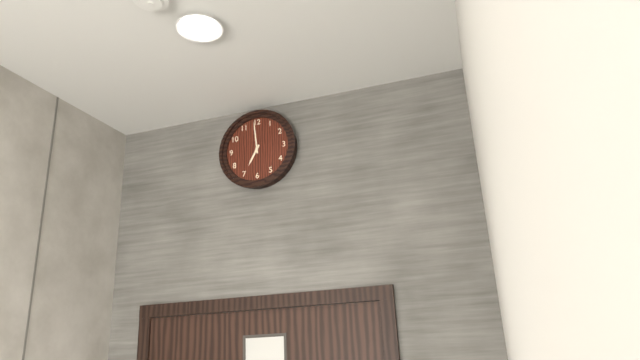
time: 6:59
